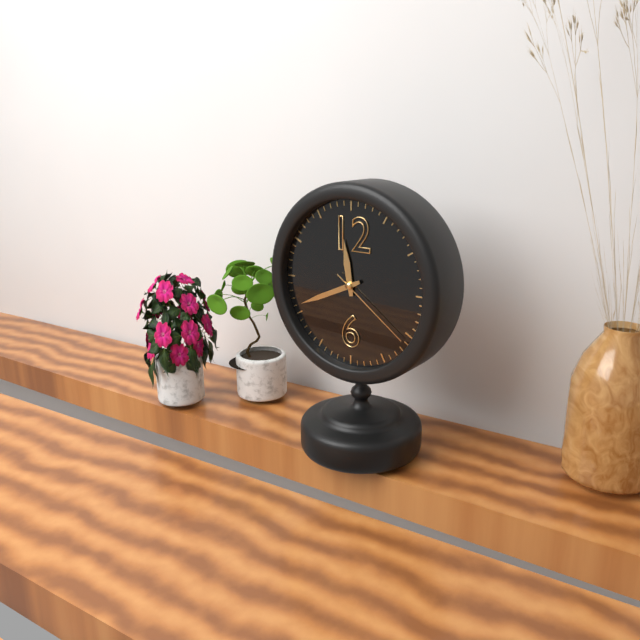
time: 11:41:21
